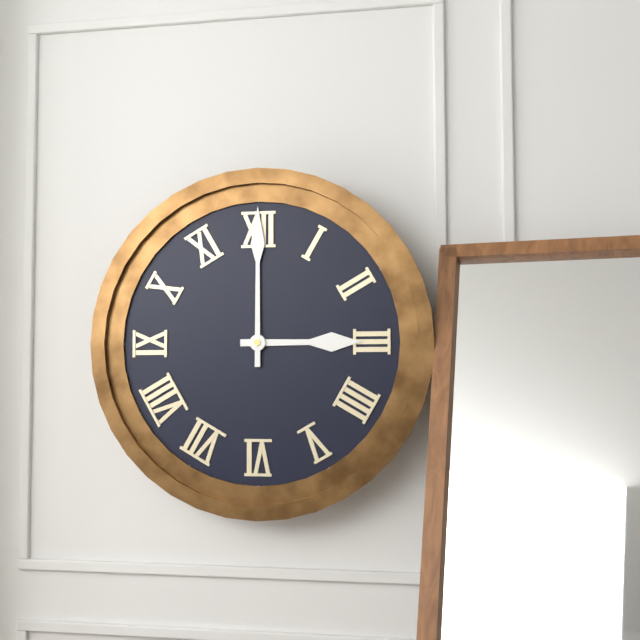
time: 3:00
